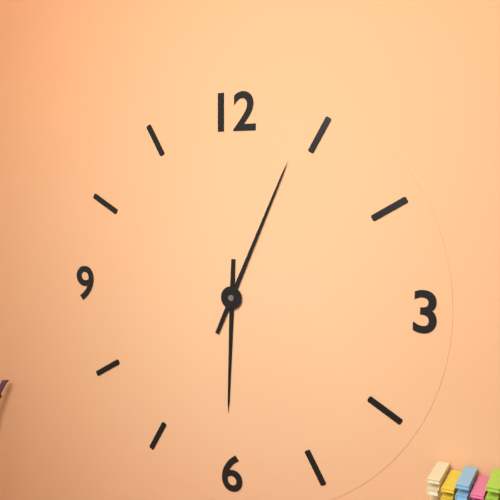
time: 6:04
